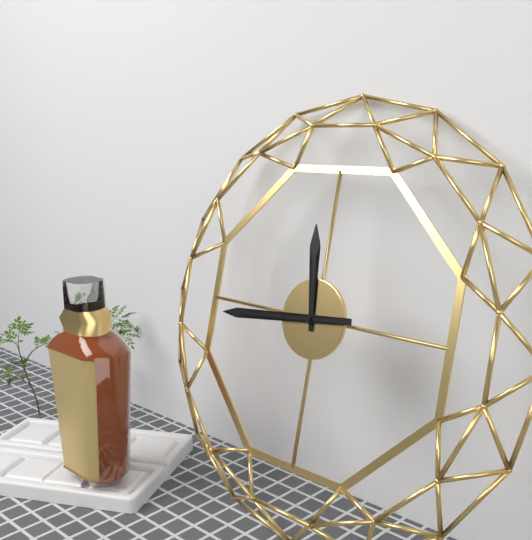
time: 11:44
